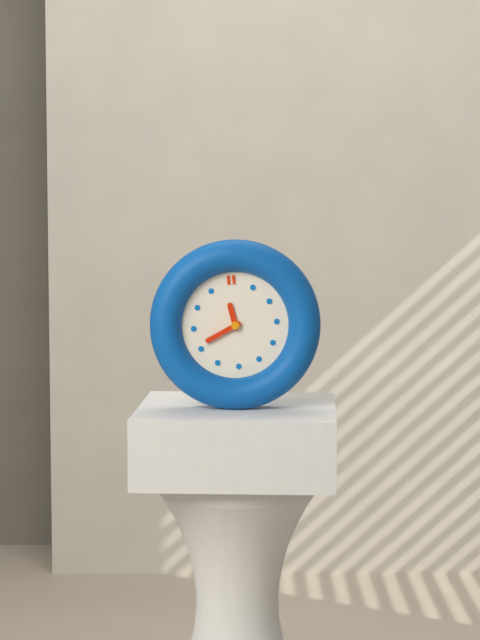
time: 11:41
